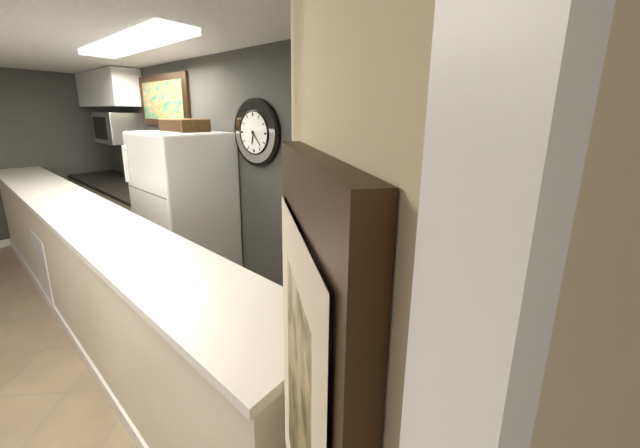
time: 6:23
